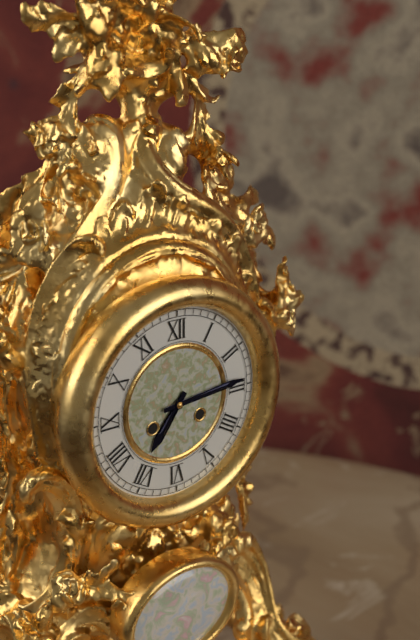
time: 7:14
